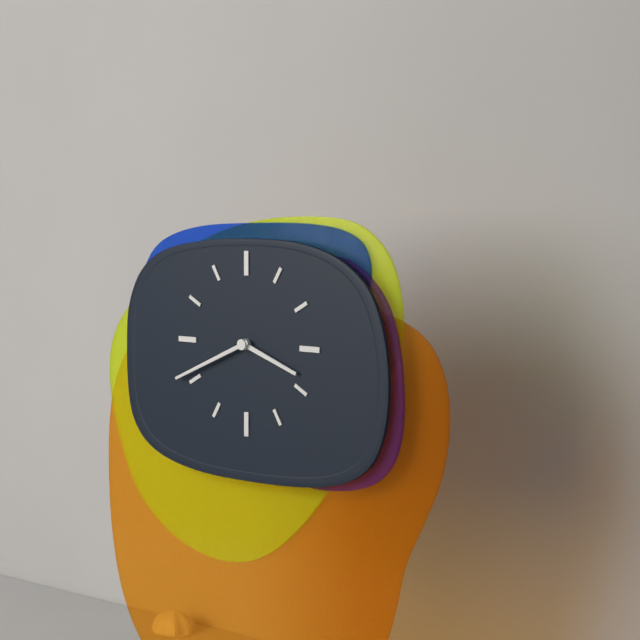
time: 3:41
